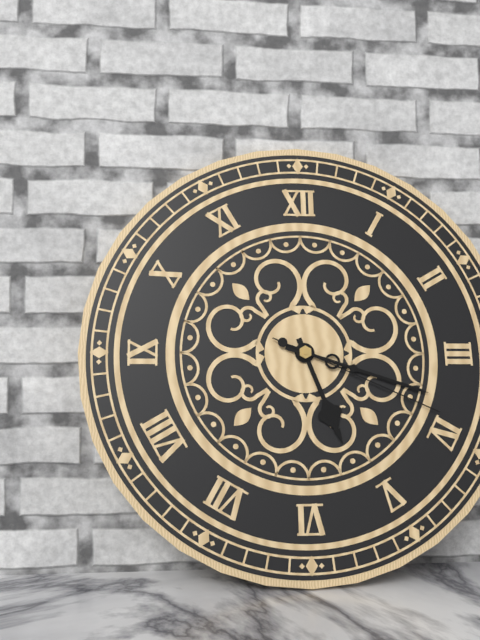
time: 5:18:19
